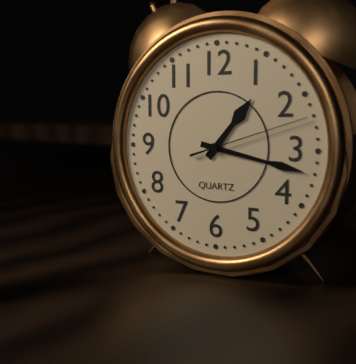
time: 1:17:12
